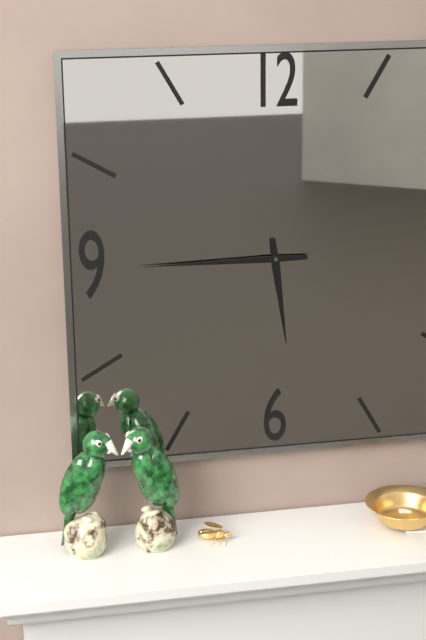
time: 5:45
